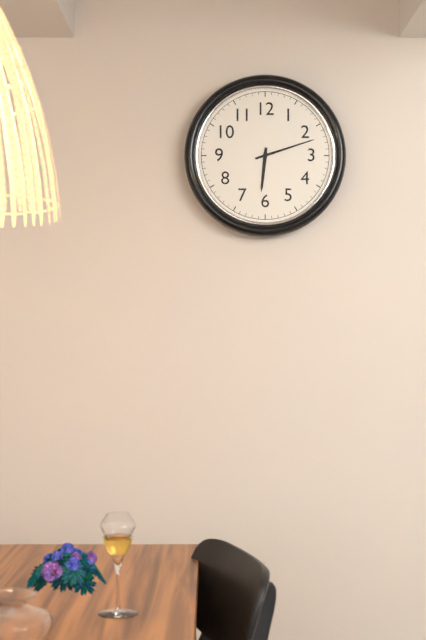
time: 6:12
